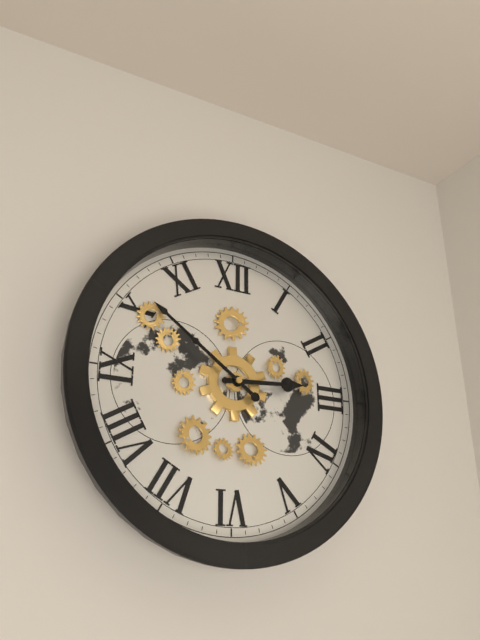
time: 2:51
